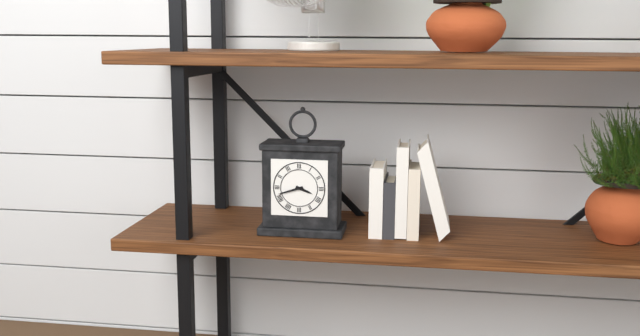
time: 3:42
